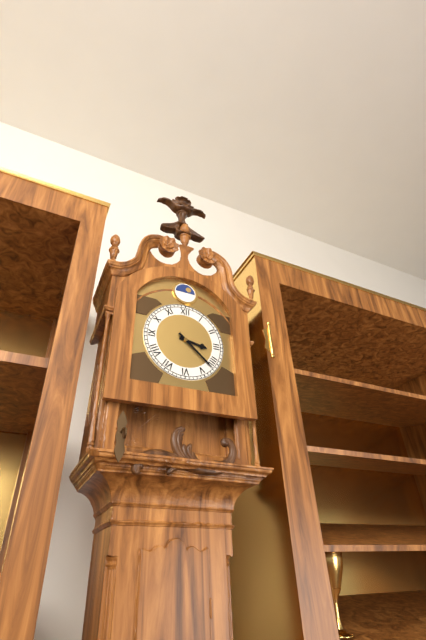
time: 3:22
